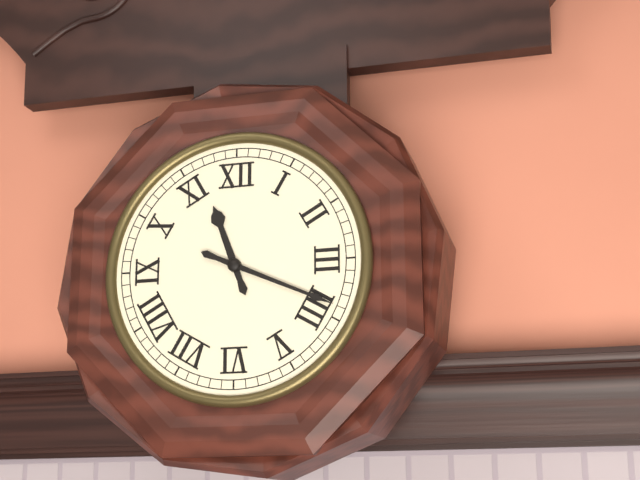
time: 11:19
